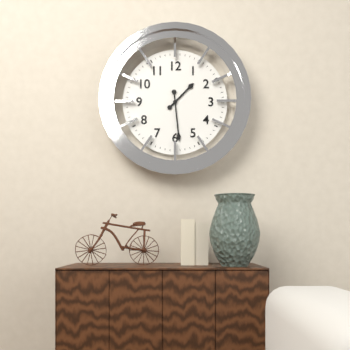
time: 1:29
